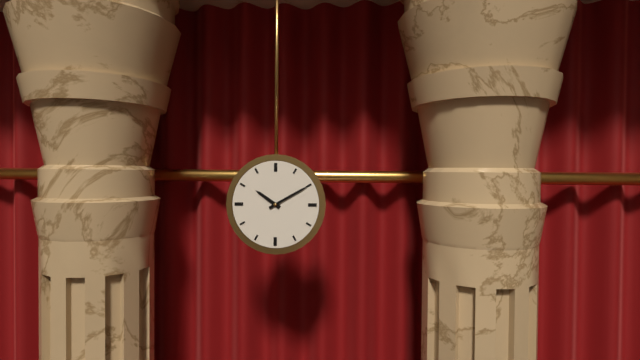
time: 10:10
